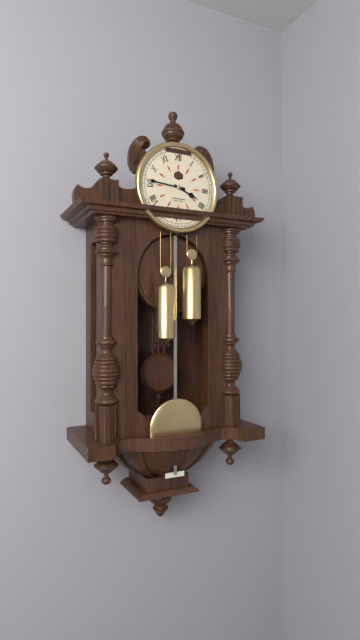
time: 3:46
